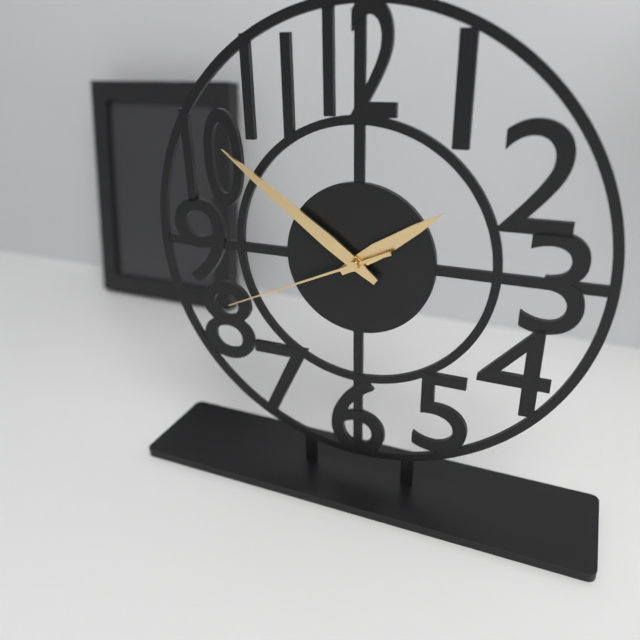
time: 1:51:41
